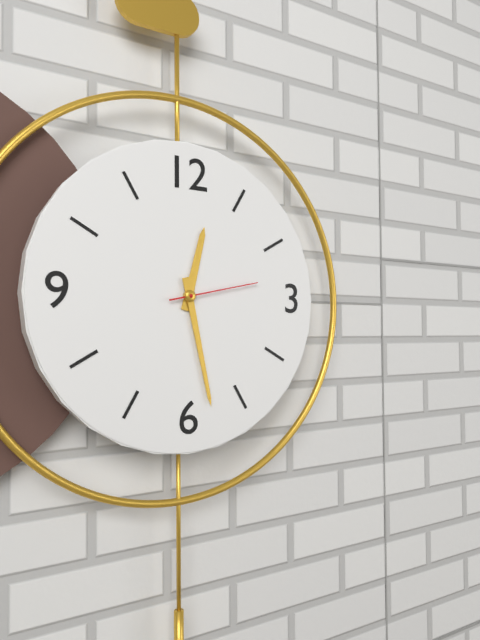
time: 12:28:13
